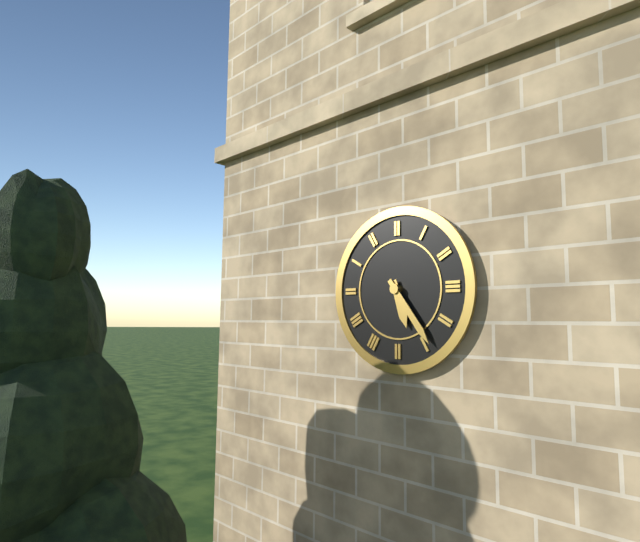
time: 5:24
